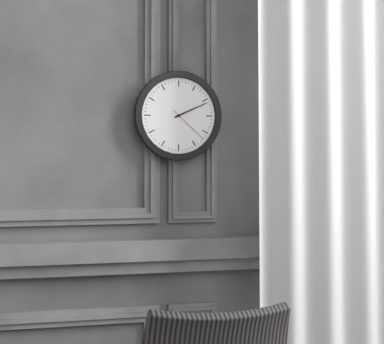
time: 2:11
